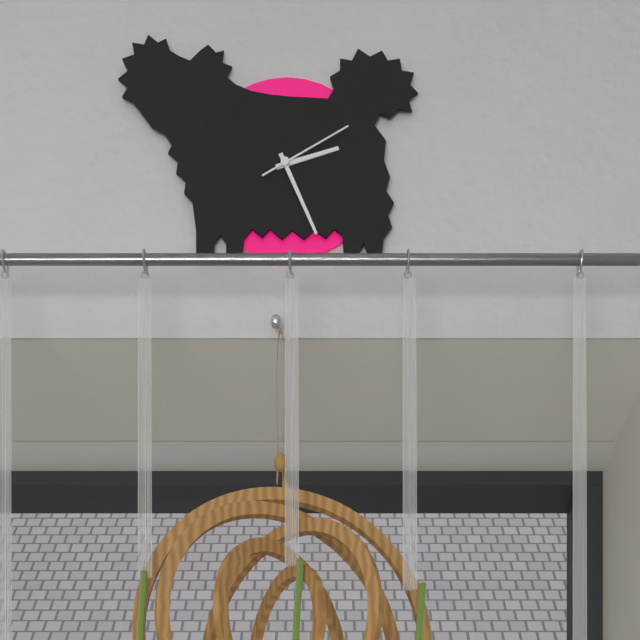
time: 2:26:10
